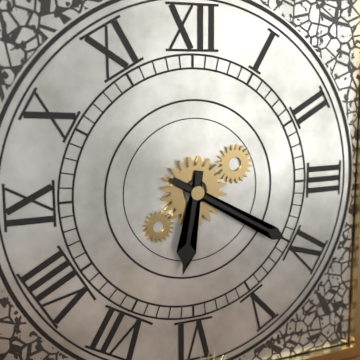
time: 6:20
